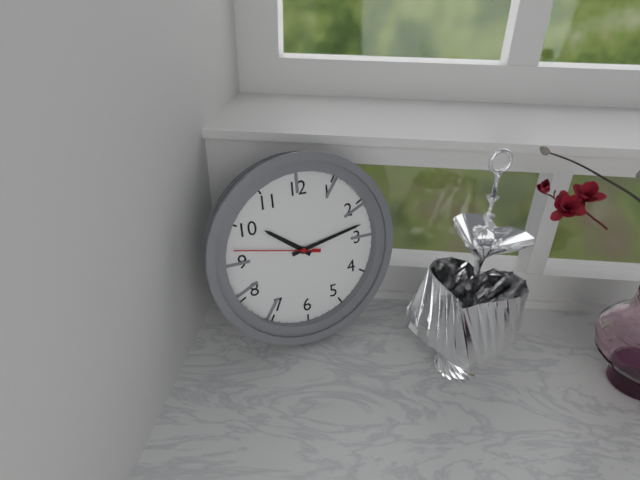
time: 10:13:47
